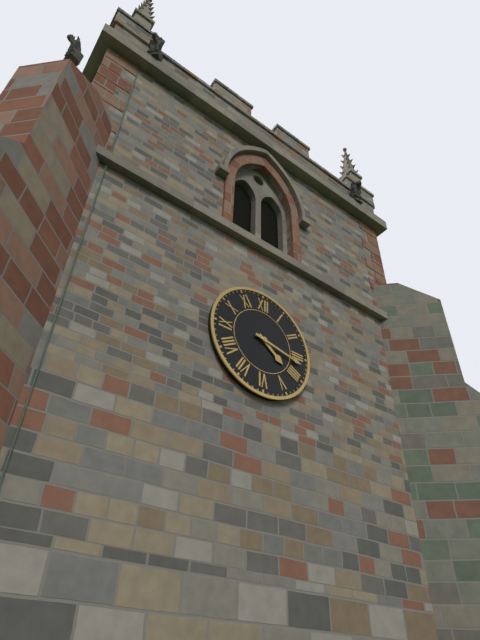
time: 4:17
